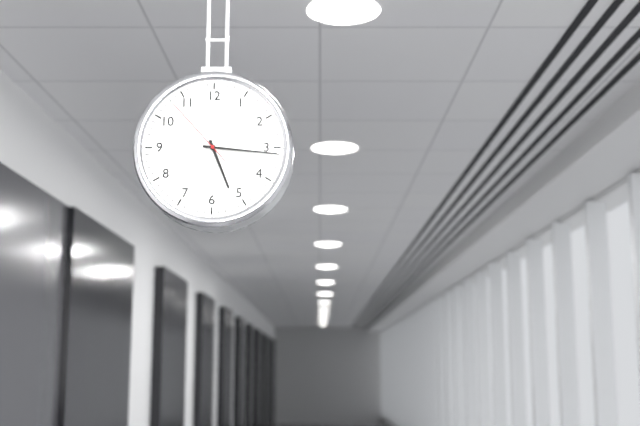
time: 5:16:53
